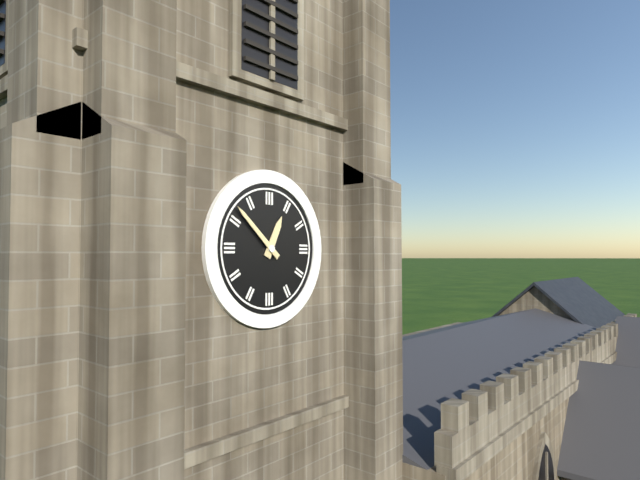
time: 12:52
